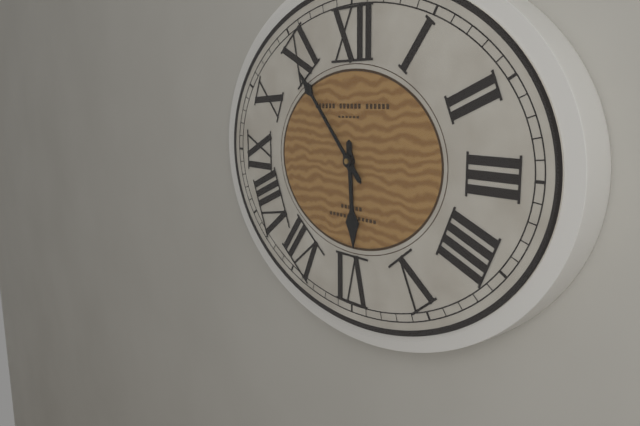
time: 5:53
